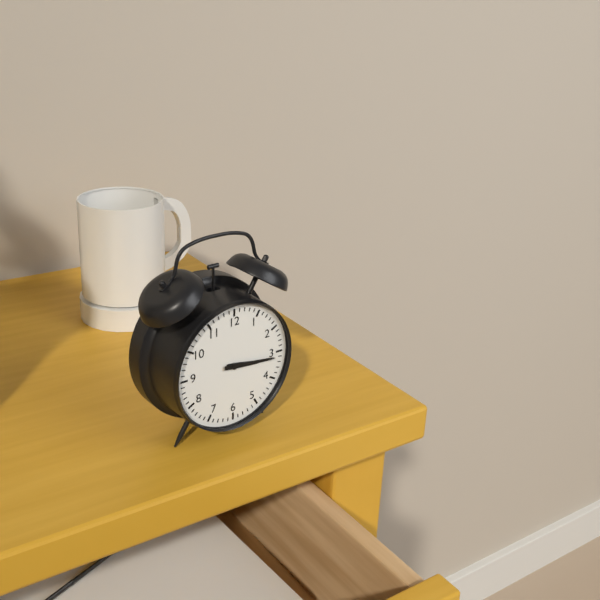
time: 3:16
